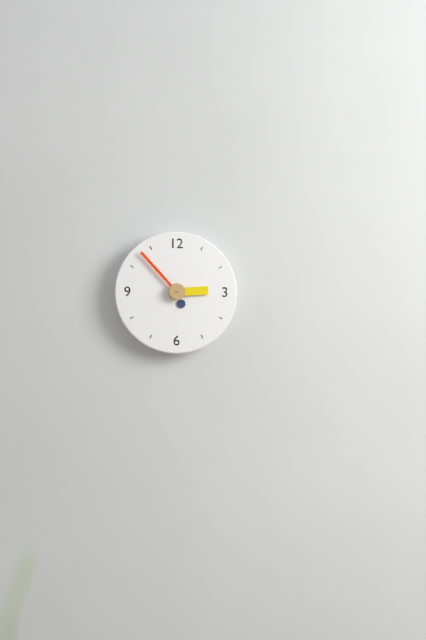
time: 2:53
